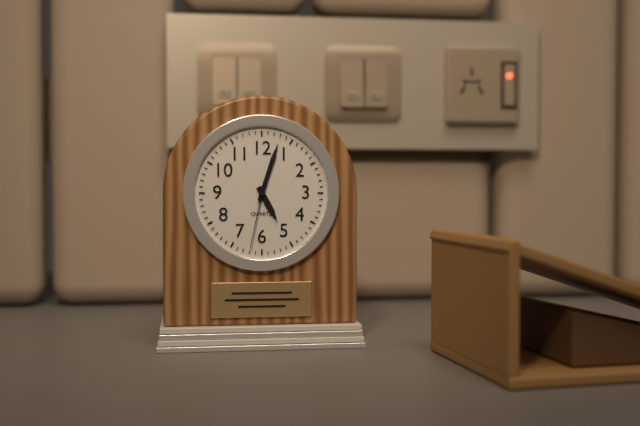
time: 5:03:32
